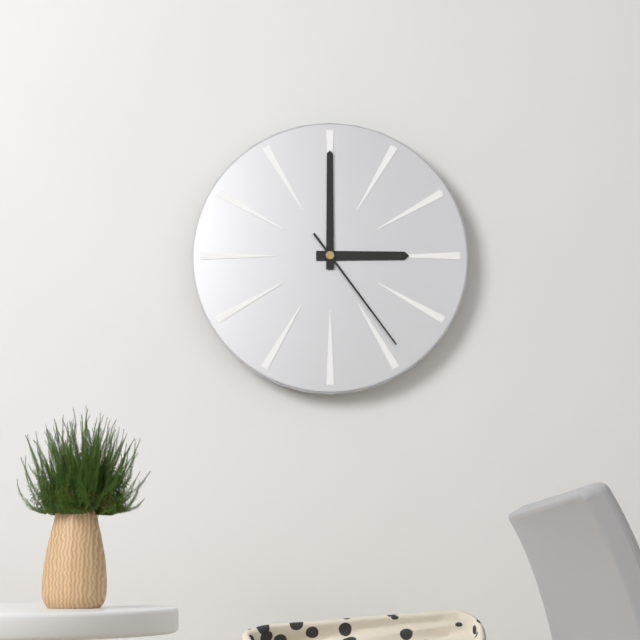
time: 3:00:24
